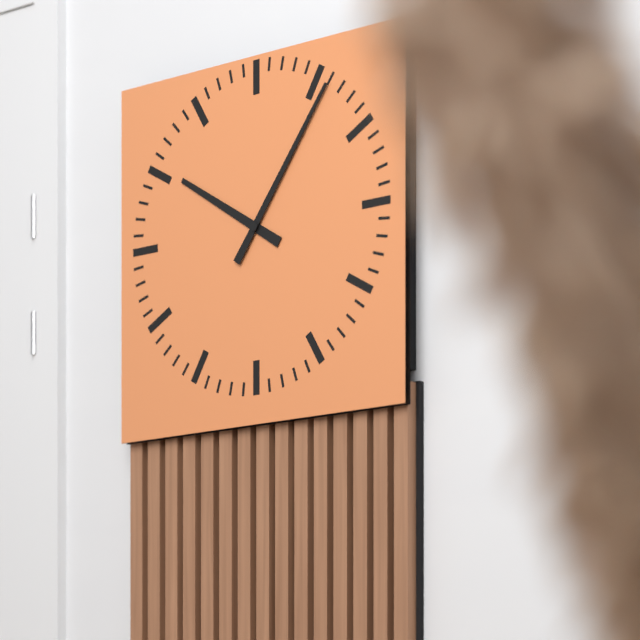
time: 10:06
